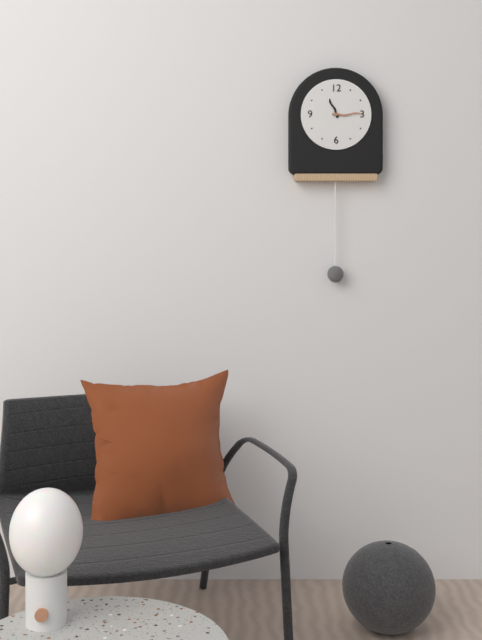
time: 11:15
